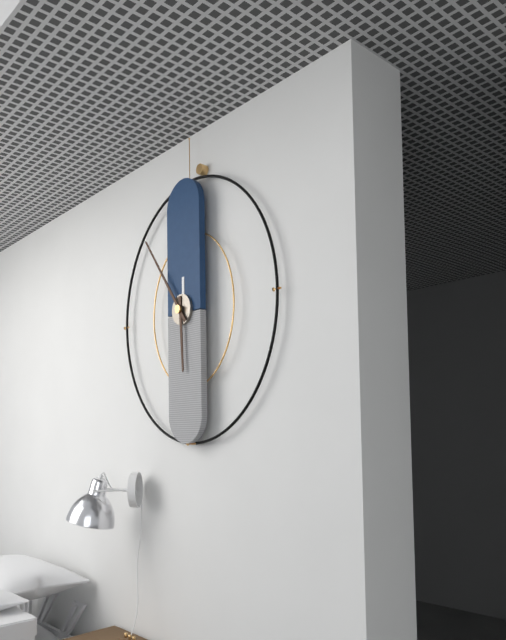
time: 5:54
